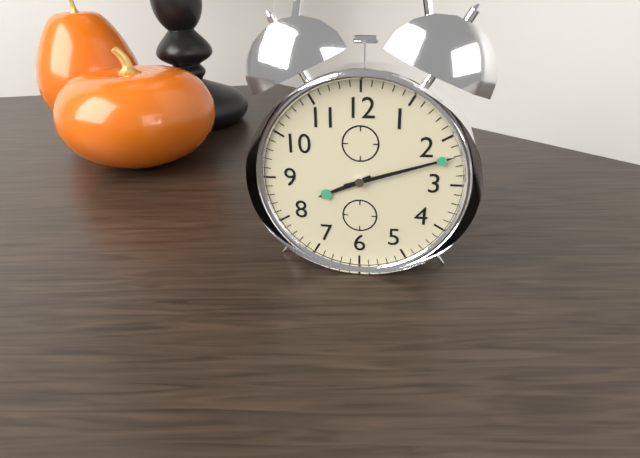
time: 8:12
